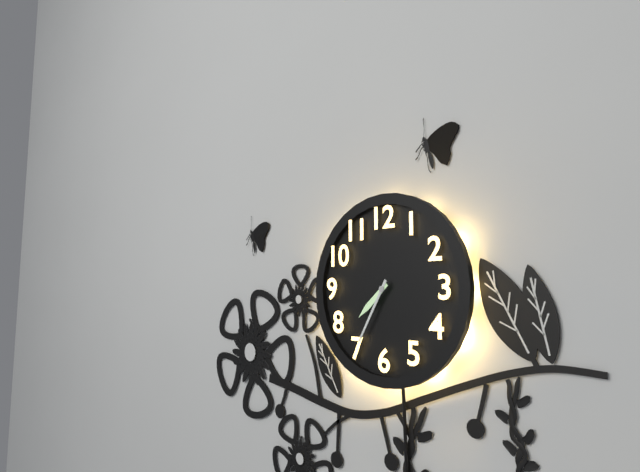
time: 7:35
